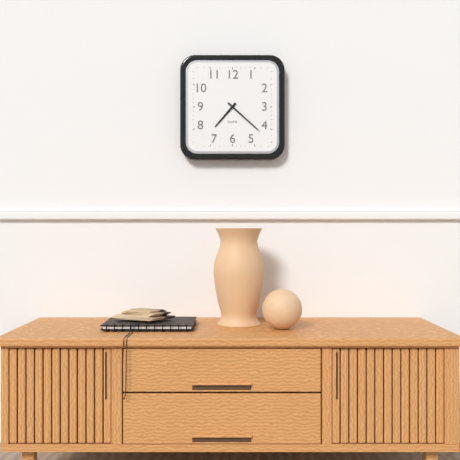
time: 7:22
